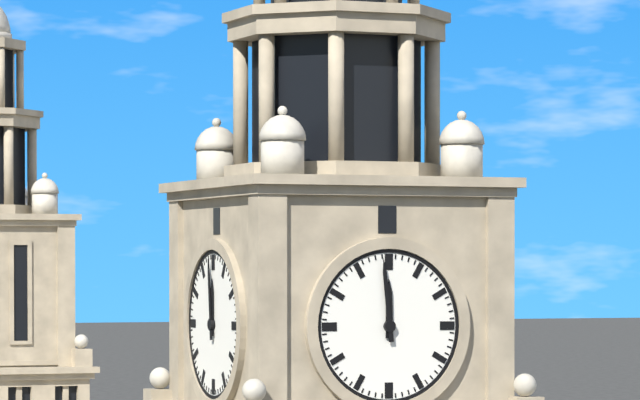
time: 11:59
